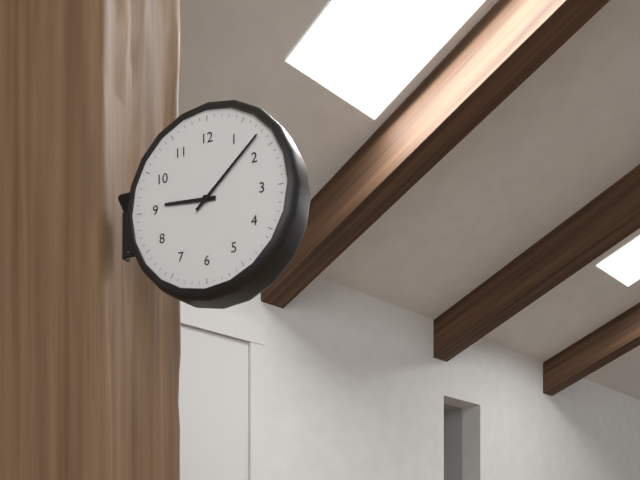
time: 9:08
